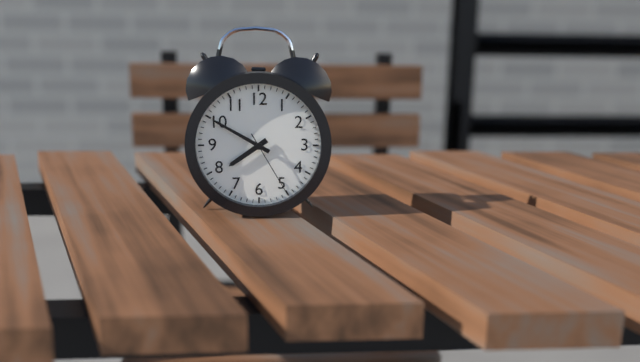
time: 7:50:25
